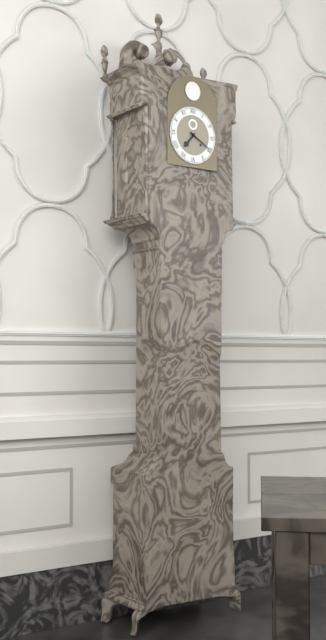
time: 7:20
